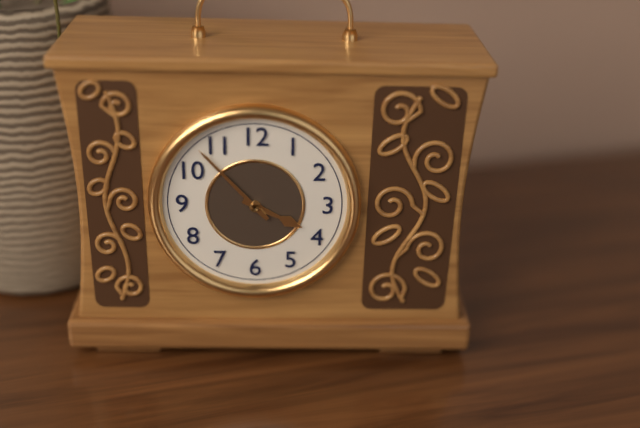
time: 3:53
